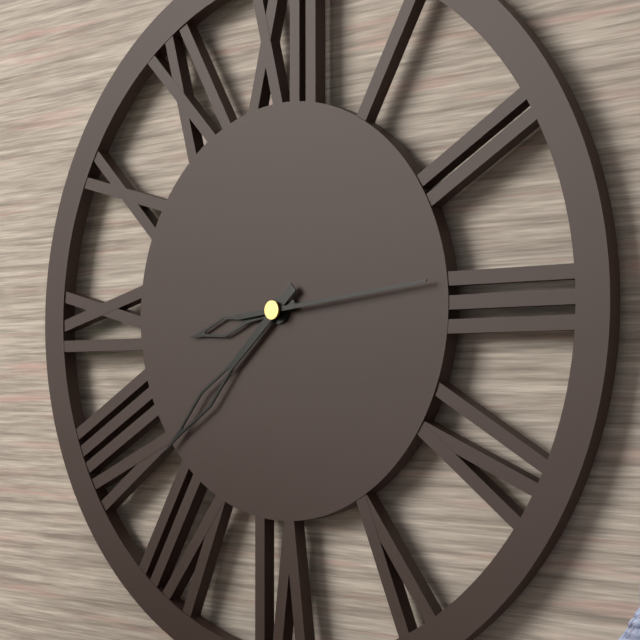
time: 8:38:14
